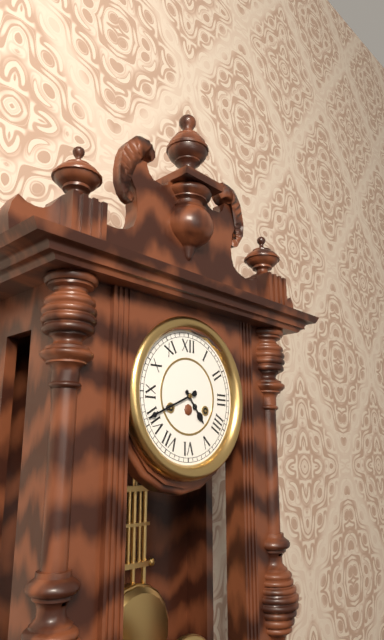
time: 4:41
